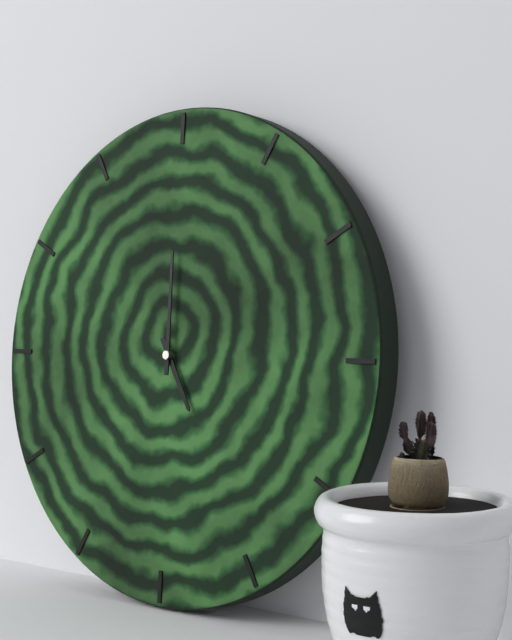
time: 5:00
